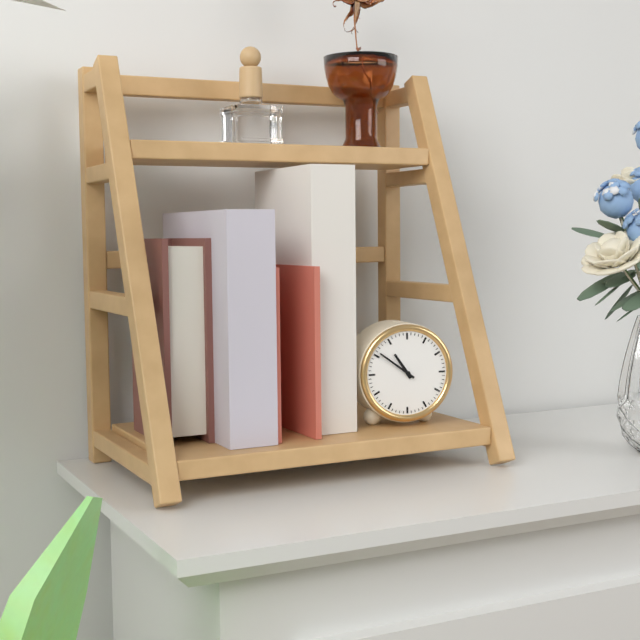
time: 10:51
